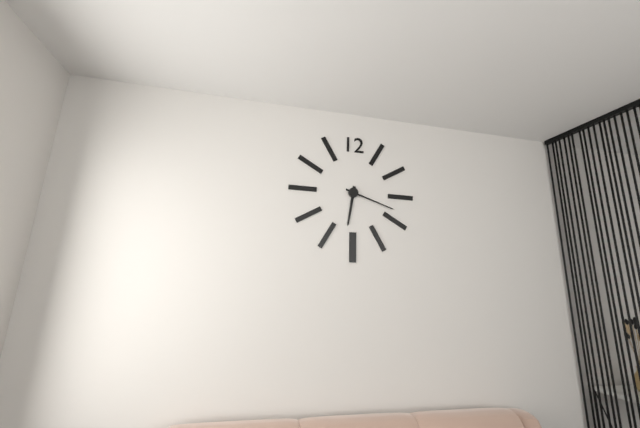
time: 6:18
